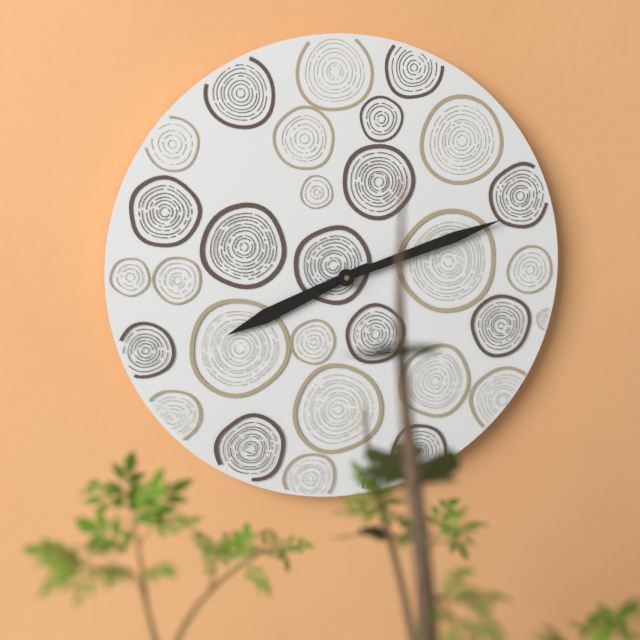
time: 8:12
